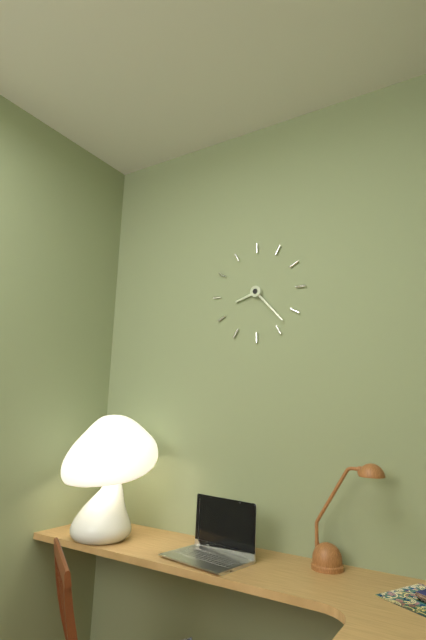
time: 8:23
